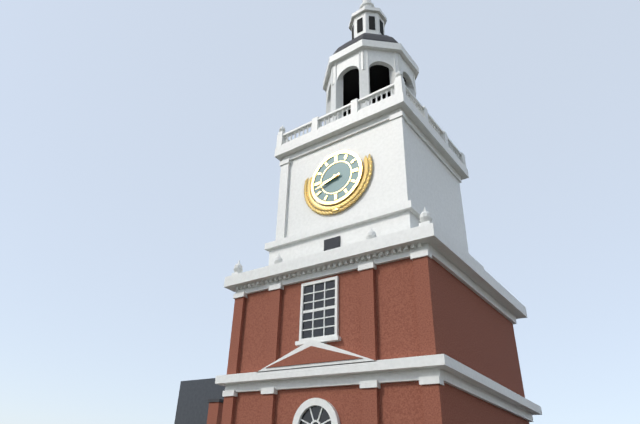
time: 8:42
